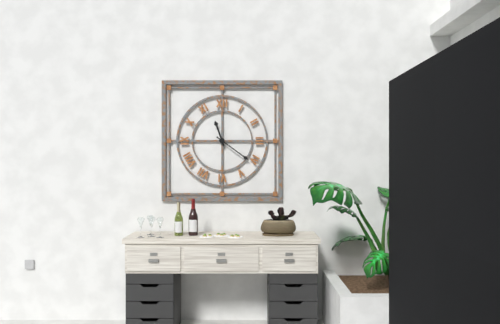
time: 11:21
